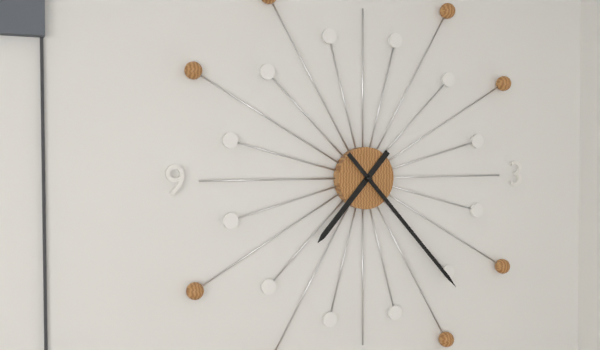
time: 7:23
